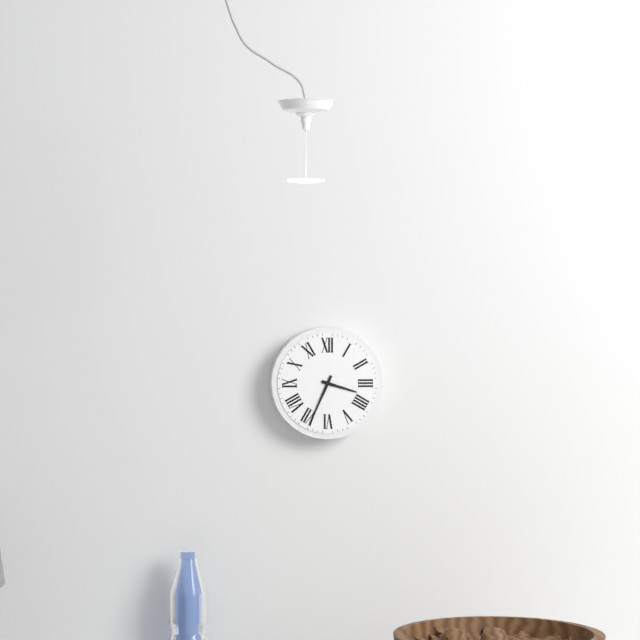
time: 3:34
